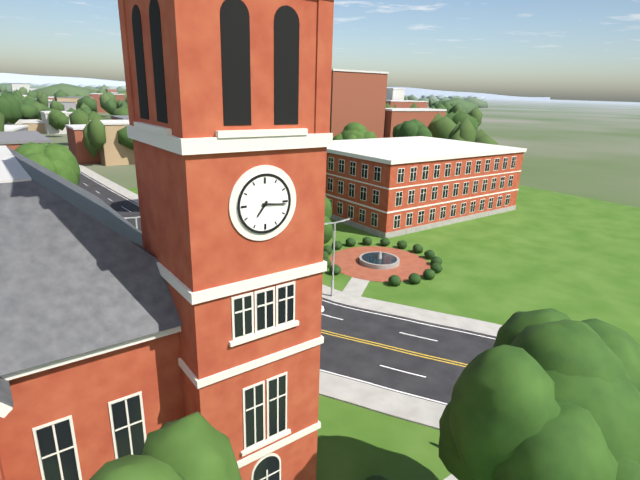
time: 7:16
